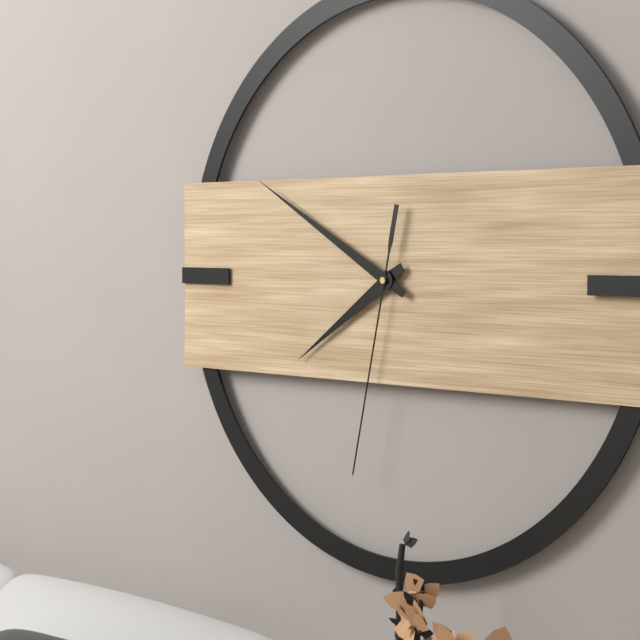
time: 7:50:32
